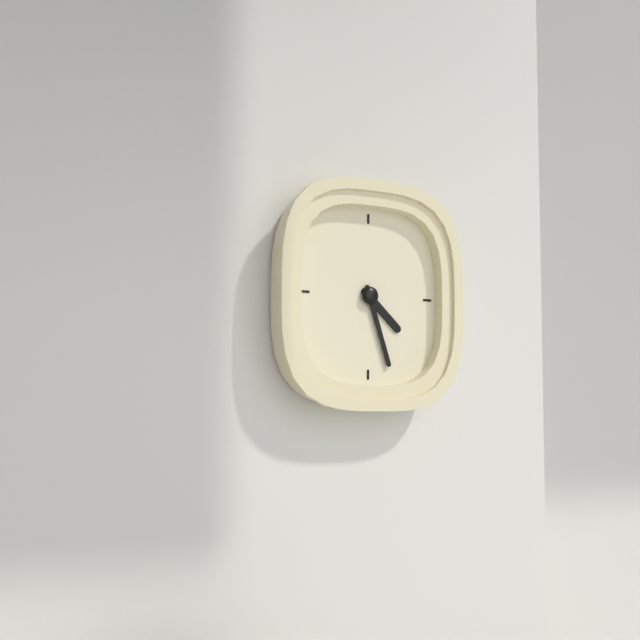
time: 4:27
